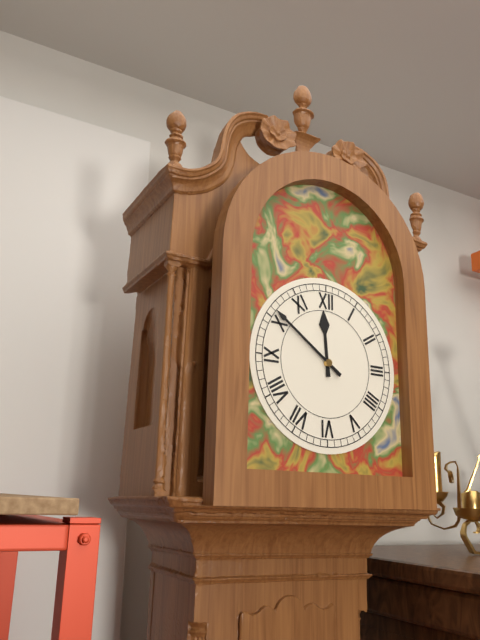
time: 11:51
